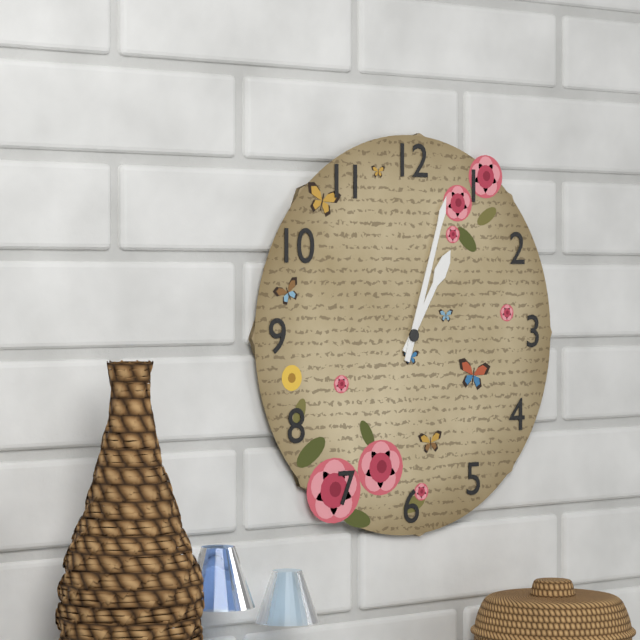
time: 1:03
